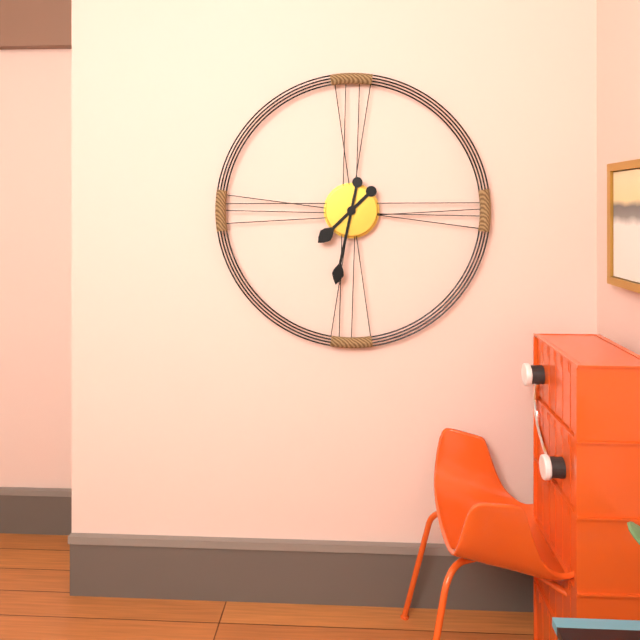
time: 7:32
